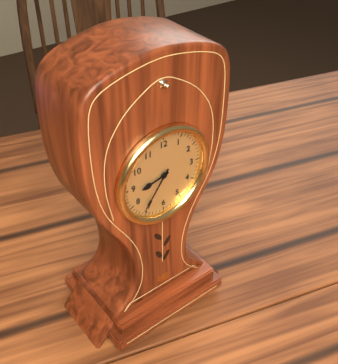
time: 8:36
